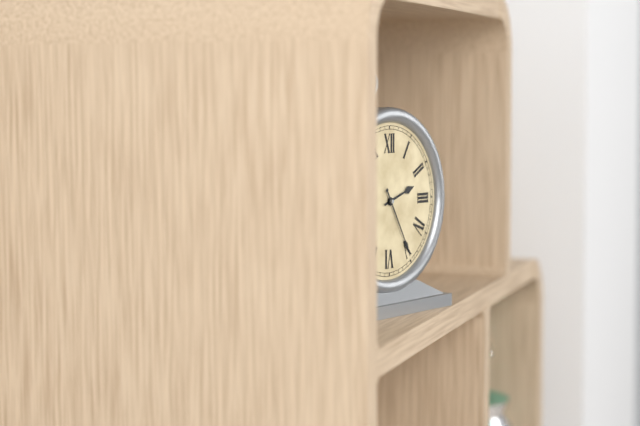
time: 2:25
